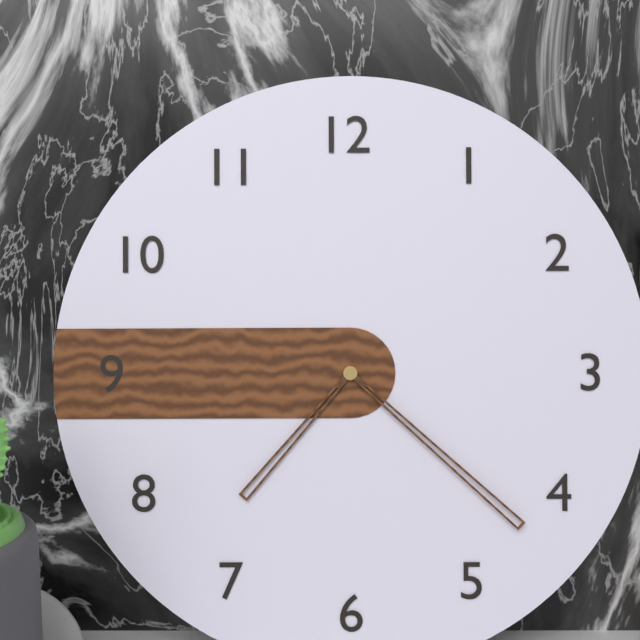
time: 7:22
